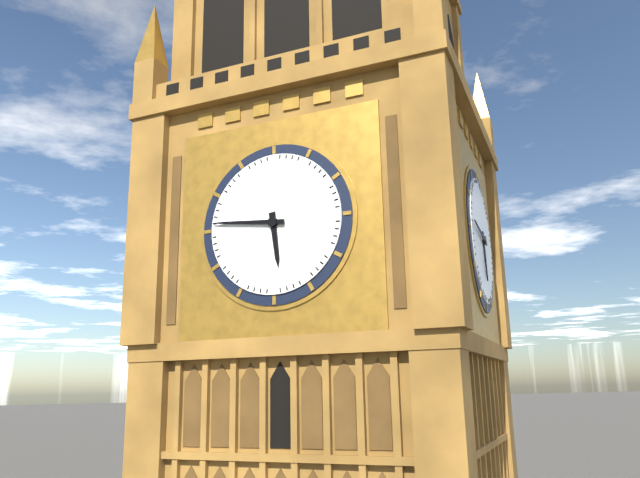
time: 5:46
